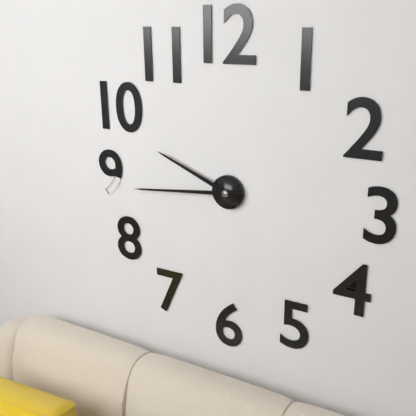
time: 9:44
